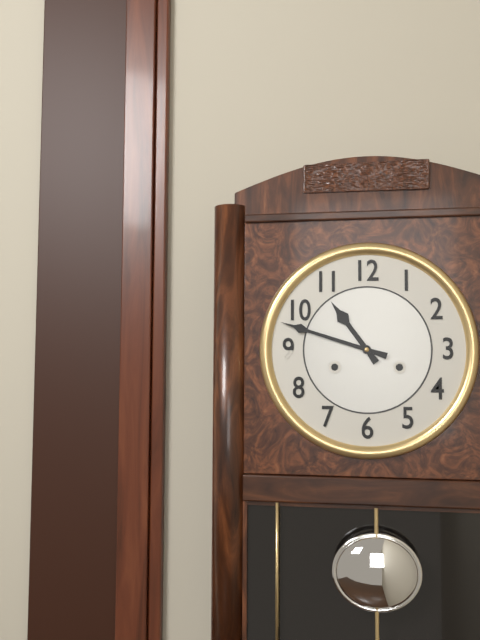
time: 10:48
